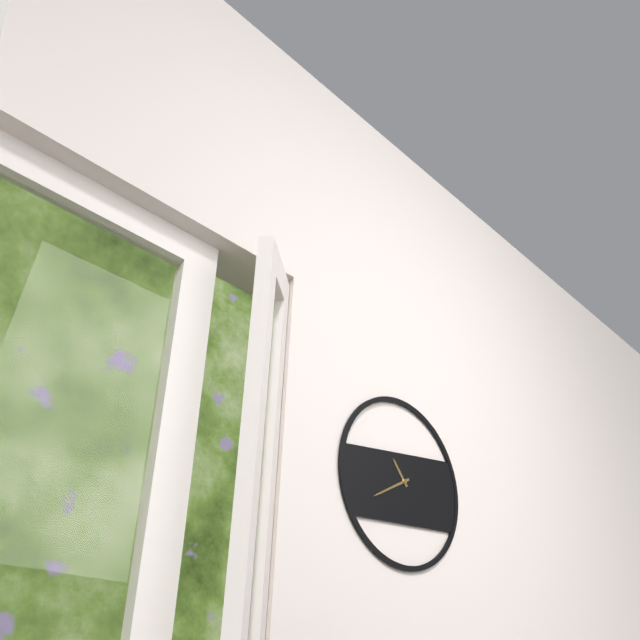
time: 10:40
